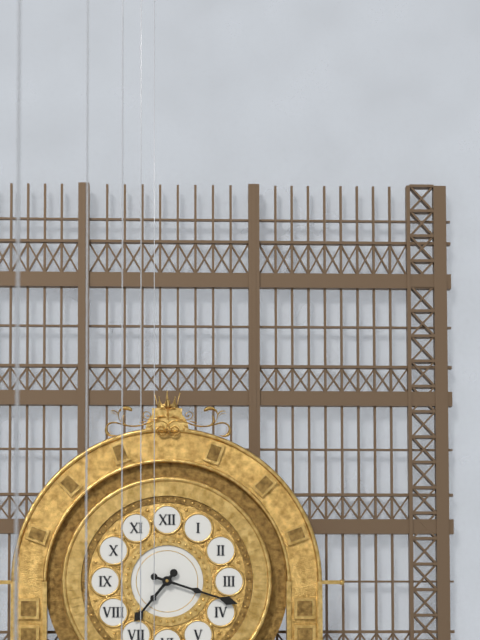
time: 7:18
